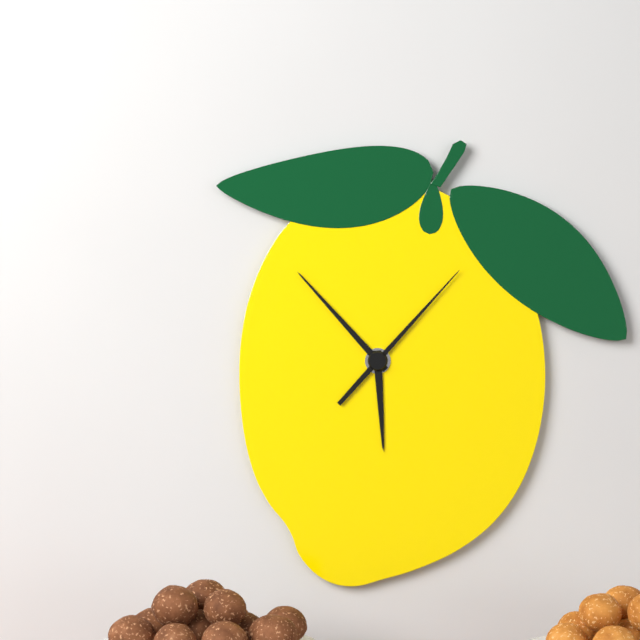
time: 5:53:07
